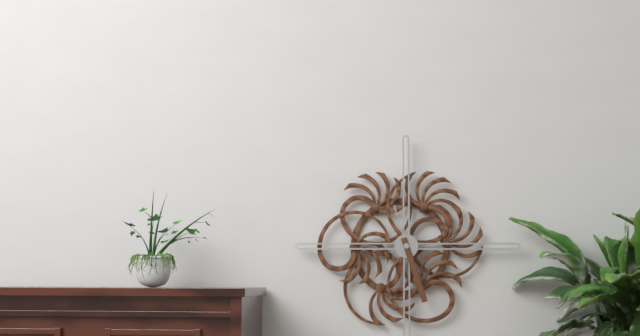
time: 11:27
